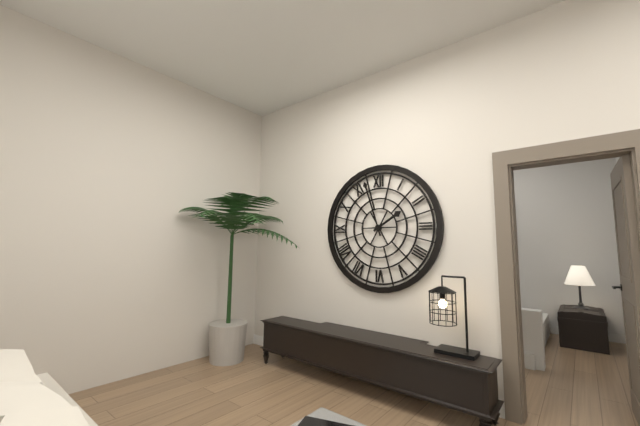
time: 1:57
